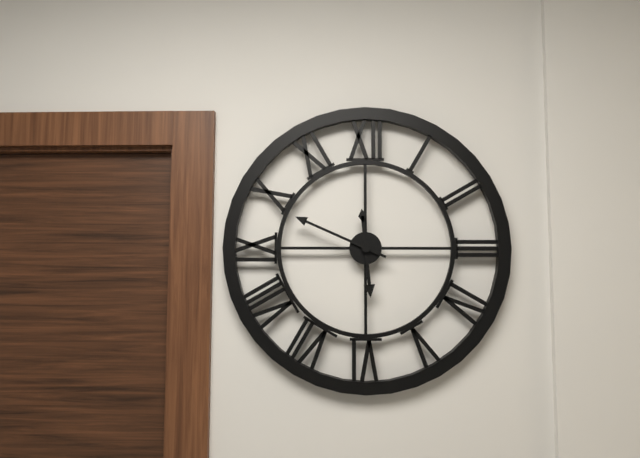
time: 5:49
